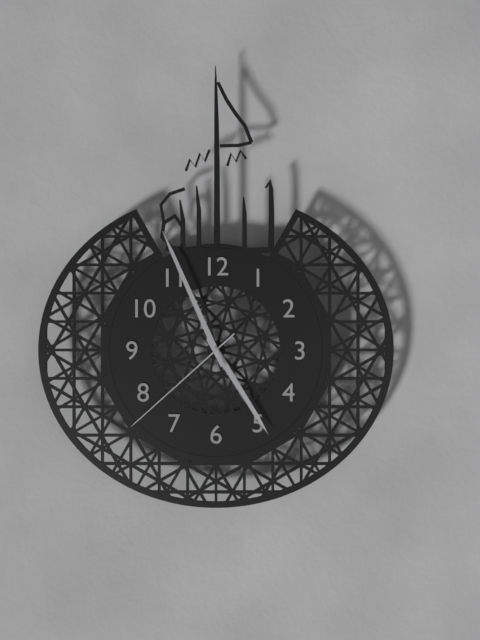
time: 4:56:38
